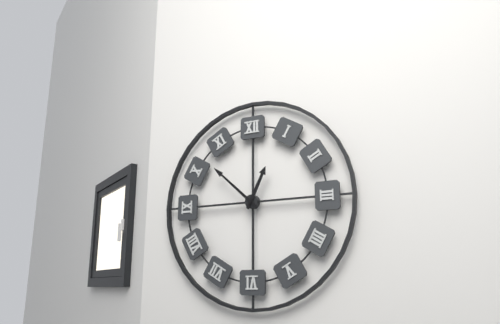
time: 12:52
